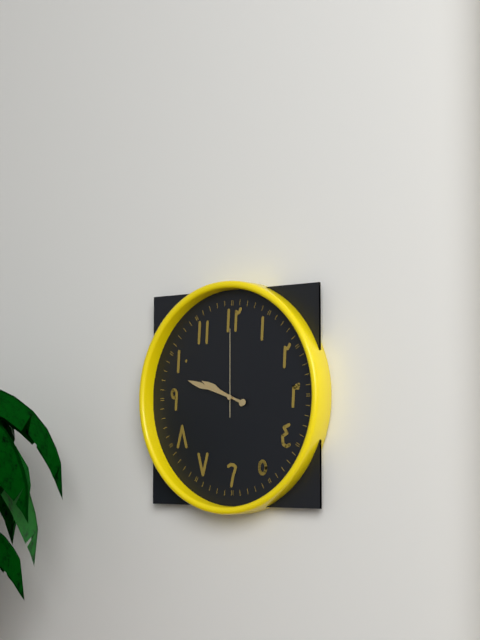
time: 9:48:00
